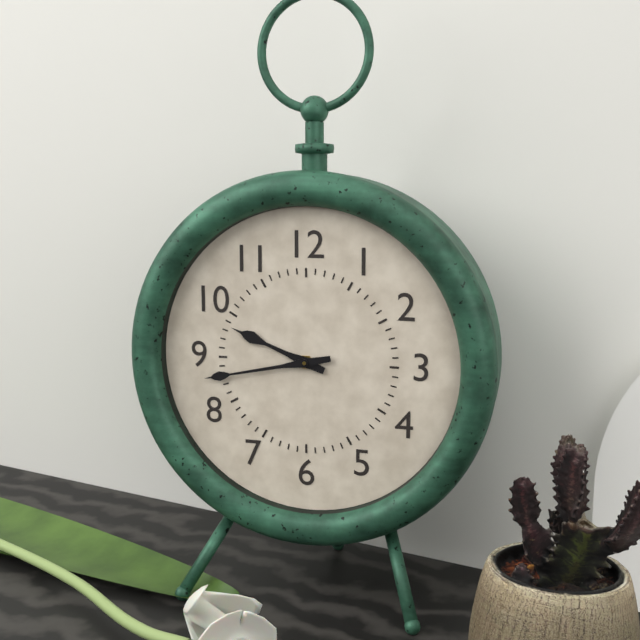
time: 9:43
